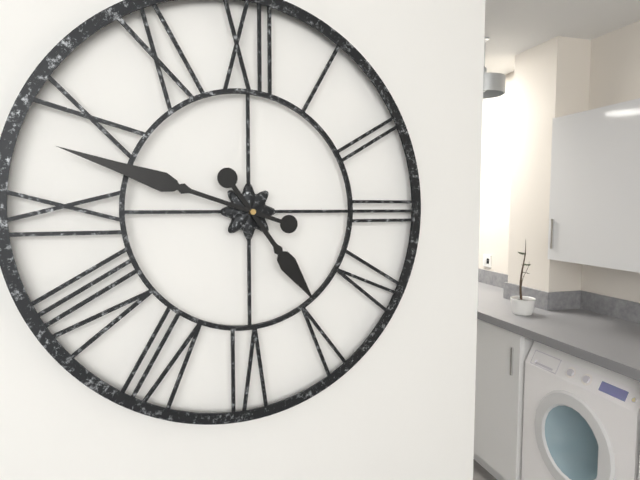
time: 4:48
